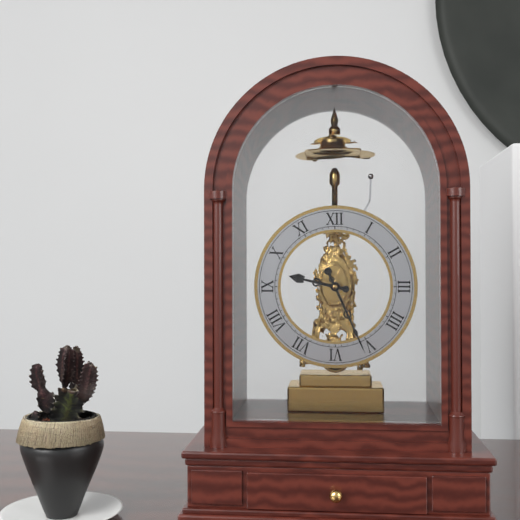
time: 9:26
